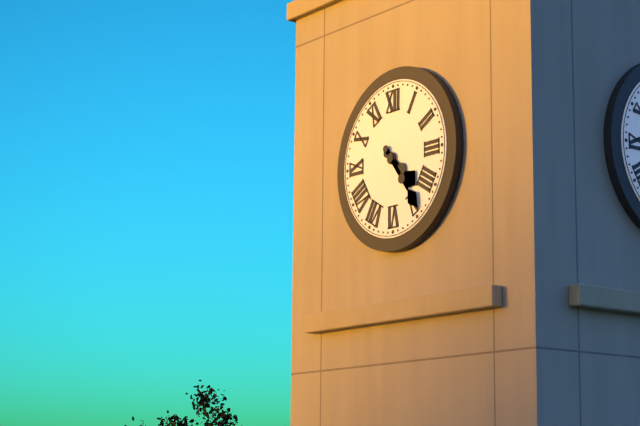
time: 4:24
